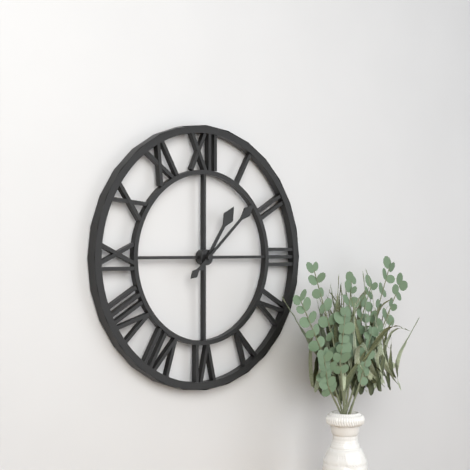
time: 1:08
